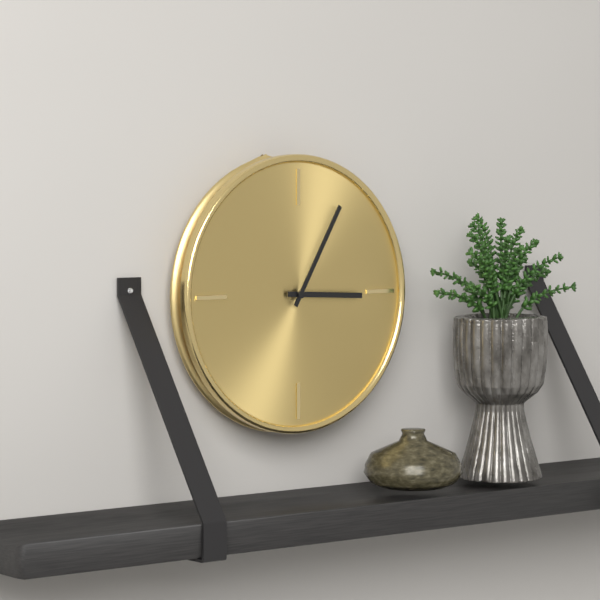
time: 3:05
